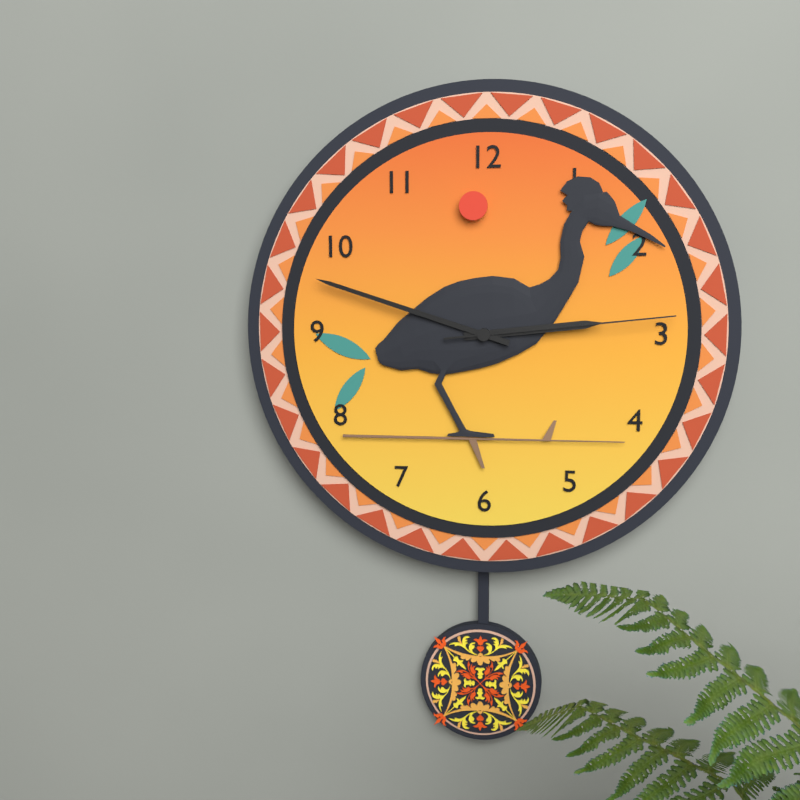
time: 2:48:14
